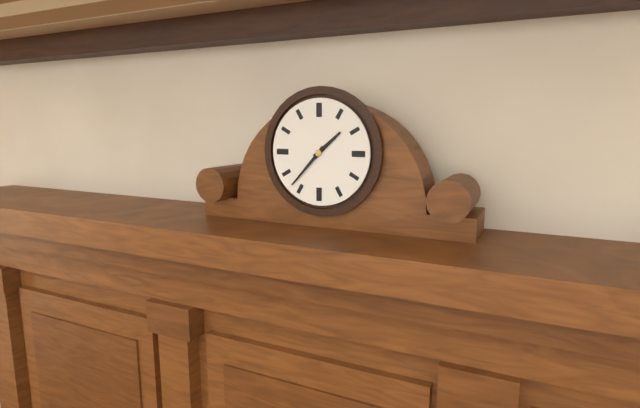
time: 1:37
